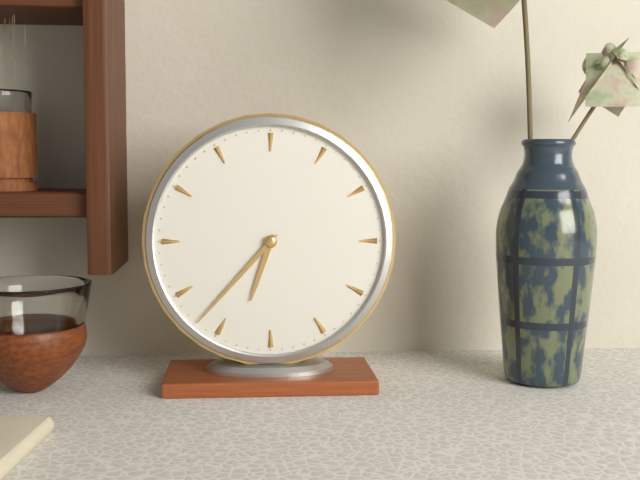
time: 6:37
